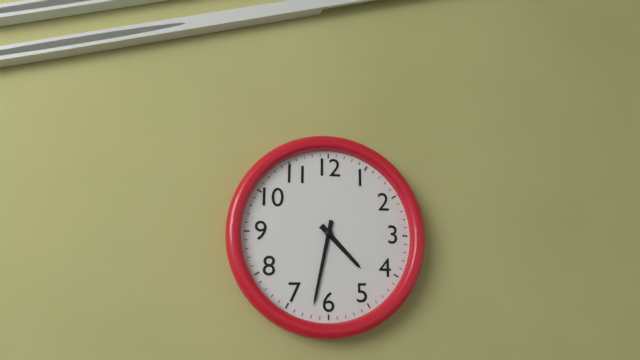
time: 4:32
